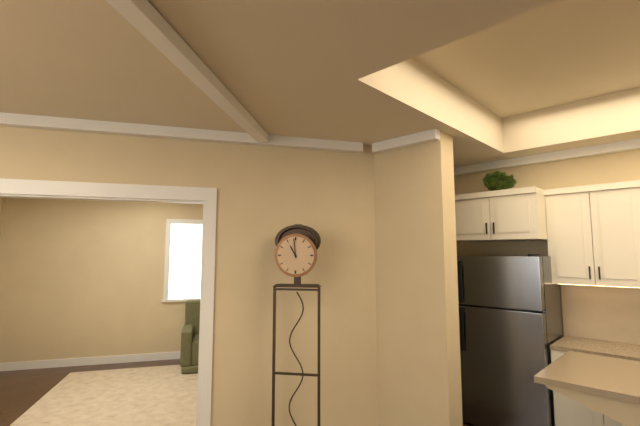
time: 10:59
